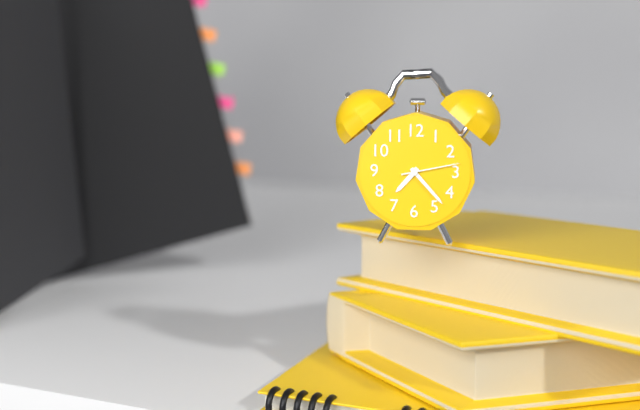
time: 7:23:13
